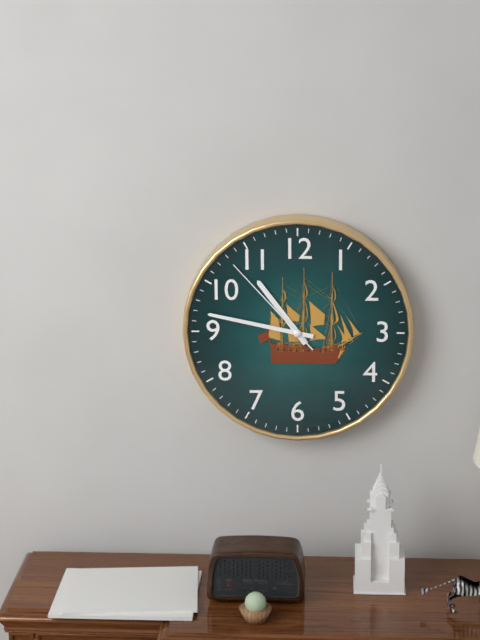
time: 10:47:53
